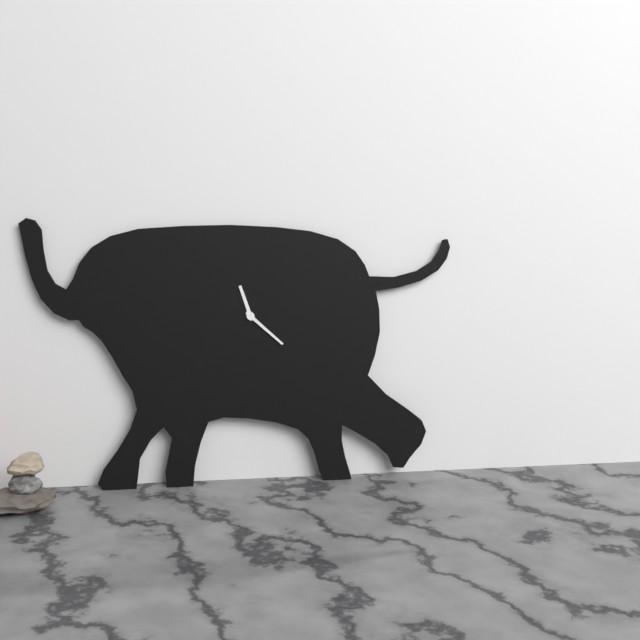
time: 11:22
